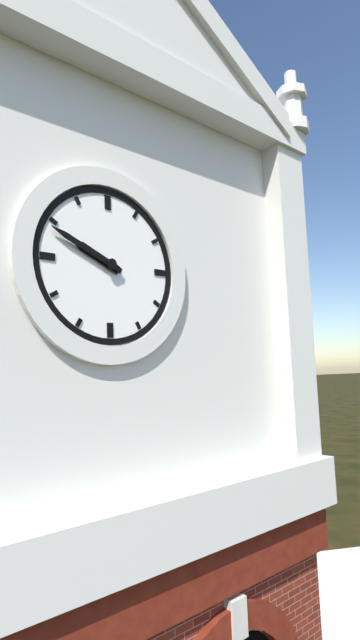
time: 9:49
